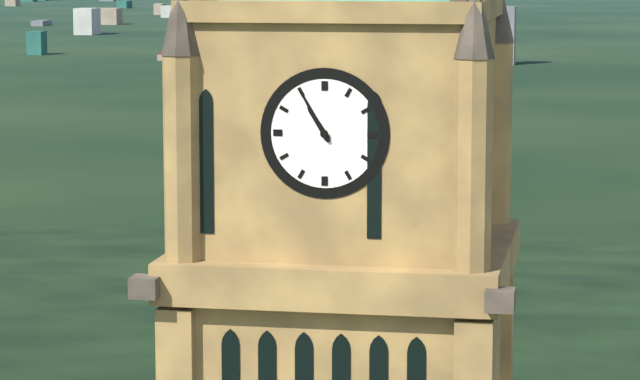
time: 10:55
